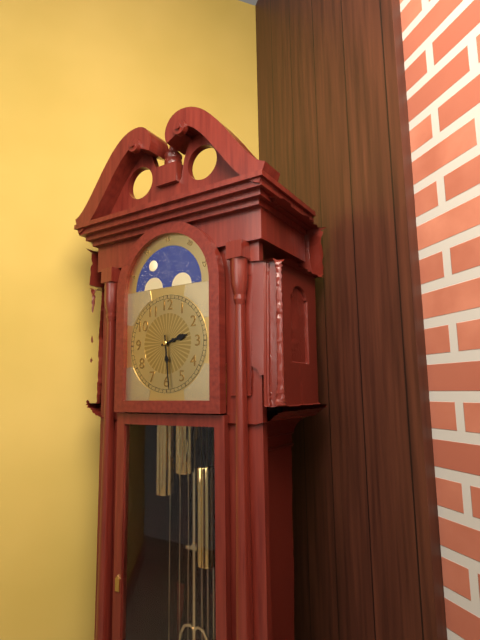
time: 2:29
